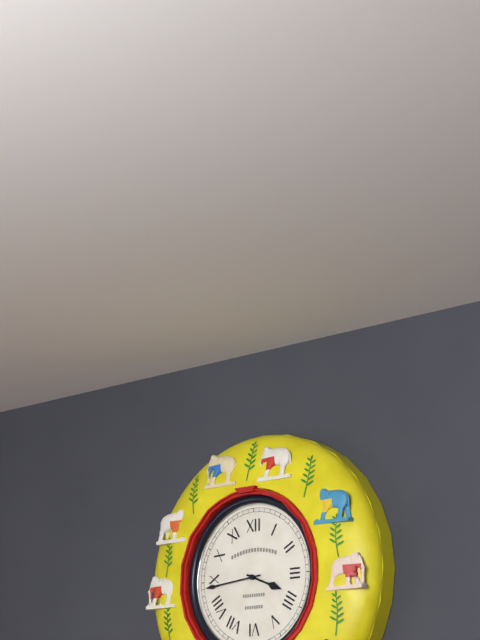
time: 3:44
